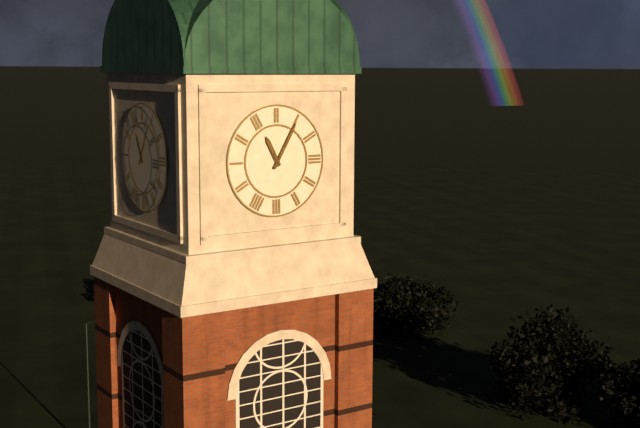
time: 11:05
